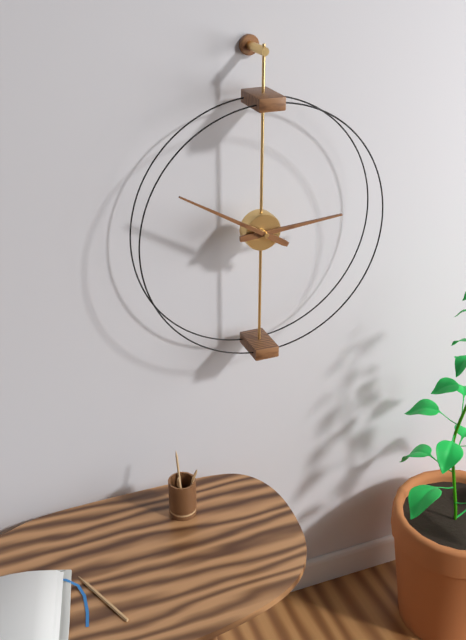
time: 2:50
